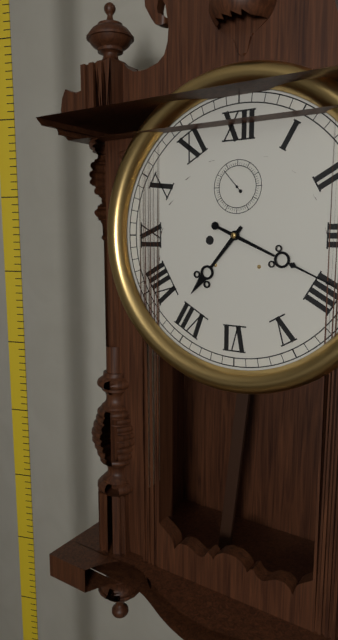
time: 7:19
